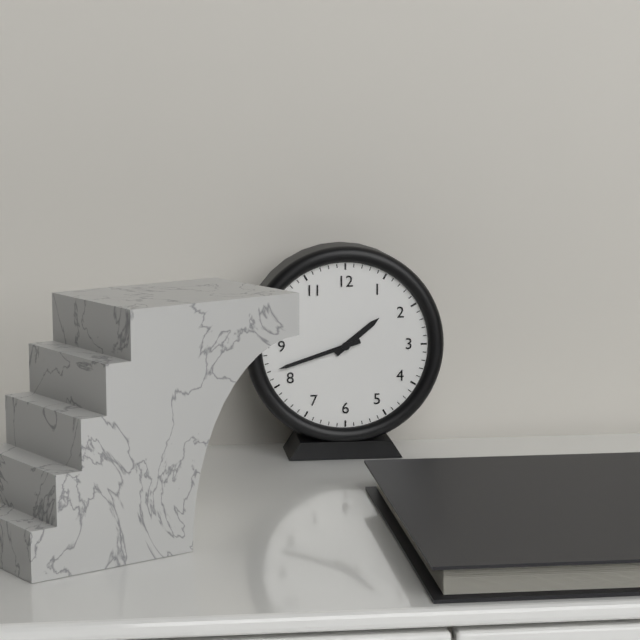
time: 1:42
